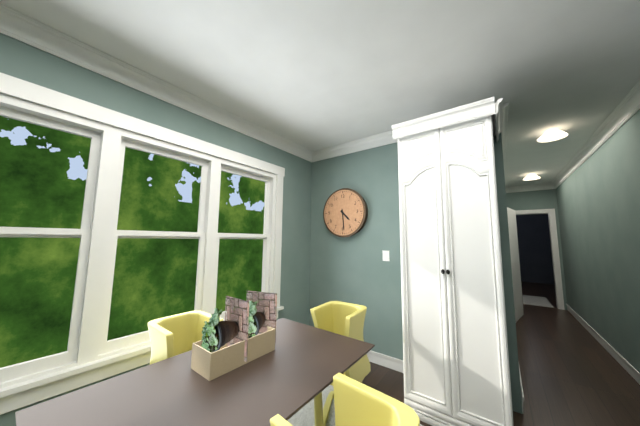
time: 4:29
